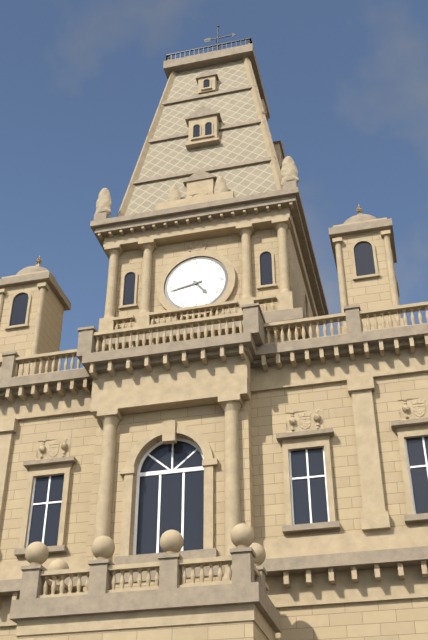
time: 4:43
